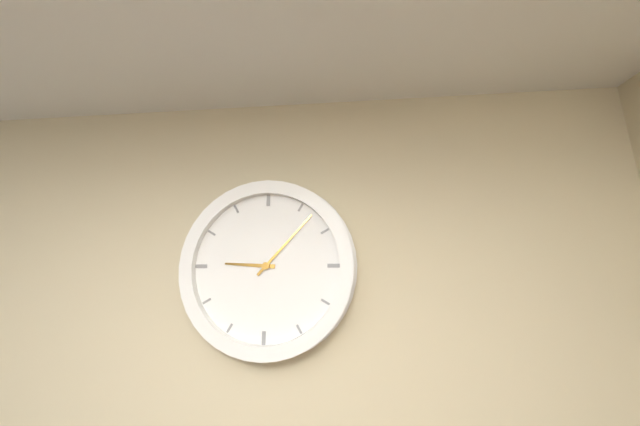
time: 9:07
